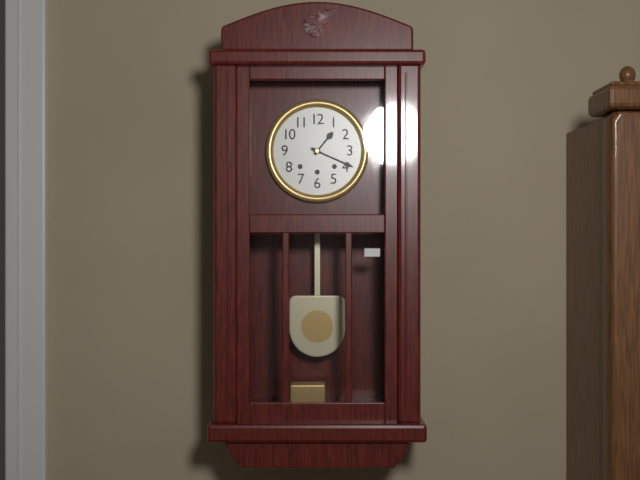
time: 1:19
